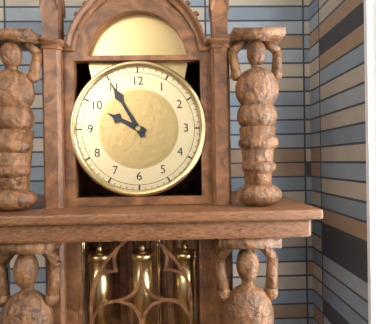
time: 9:55
